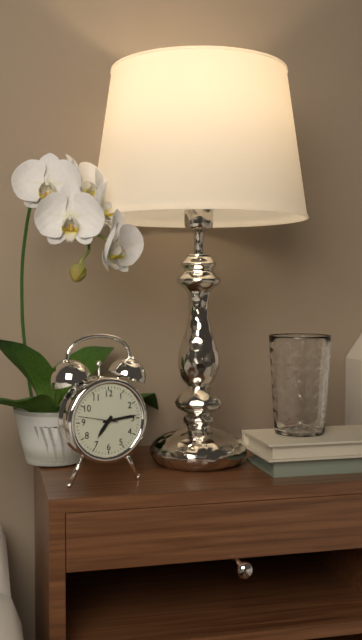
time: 7:14
